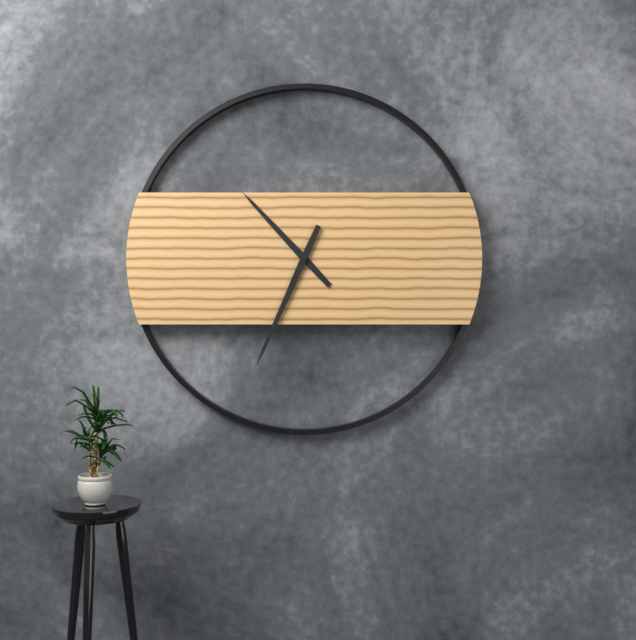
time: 10:34
